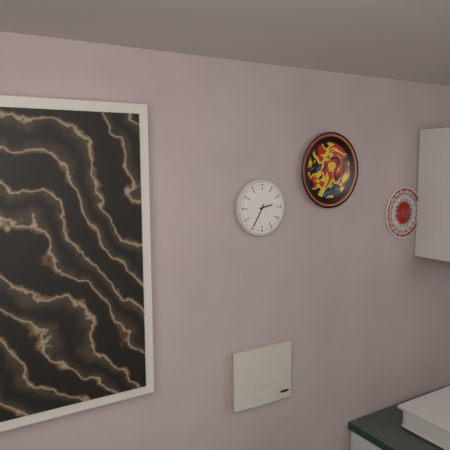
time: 2:35
